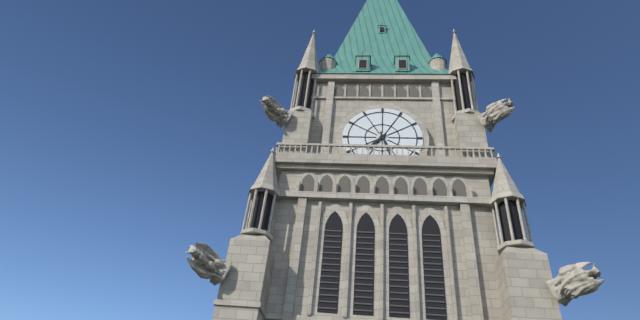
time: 7:27
